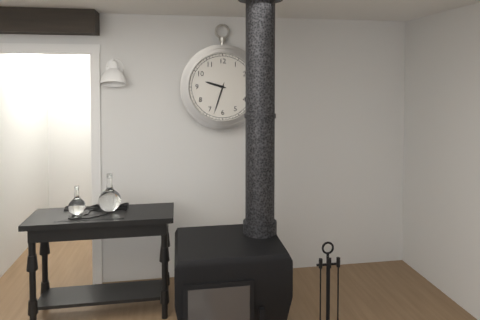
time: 9:33
